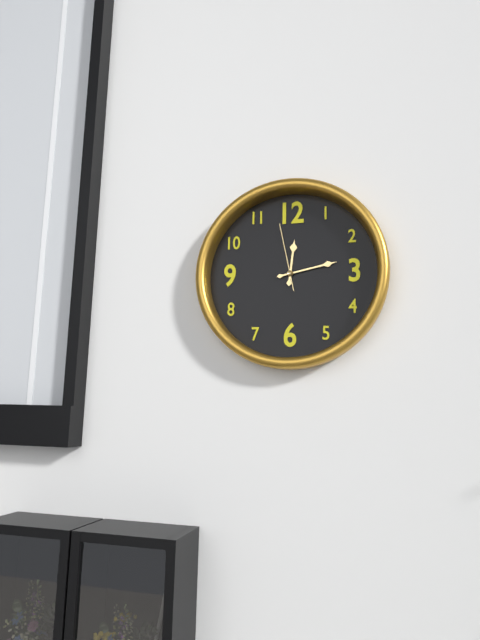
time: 12:13:58
